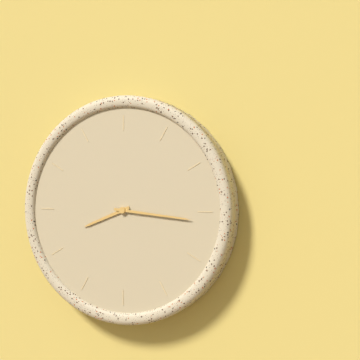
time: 8:16
